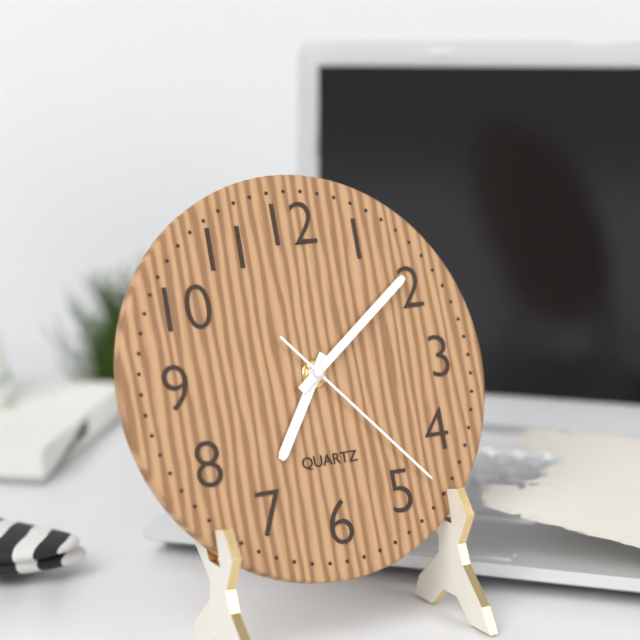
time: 7:09:23
